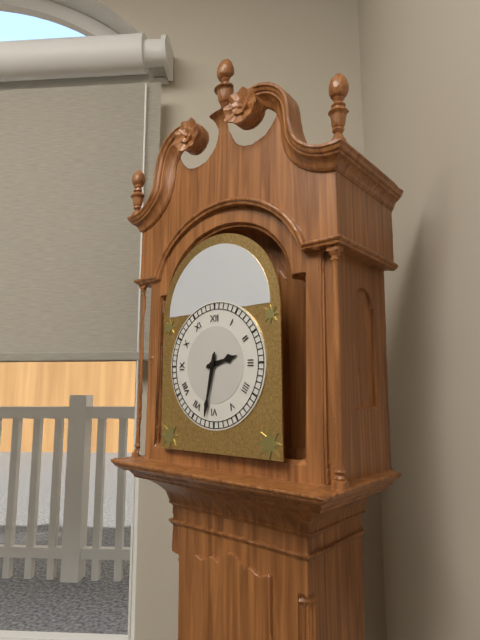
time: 2:32
